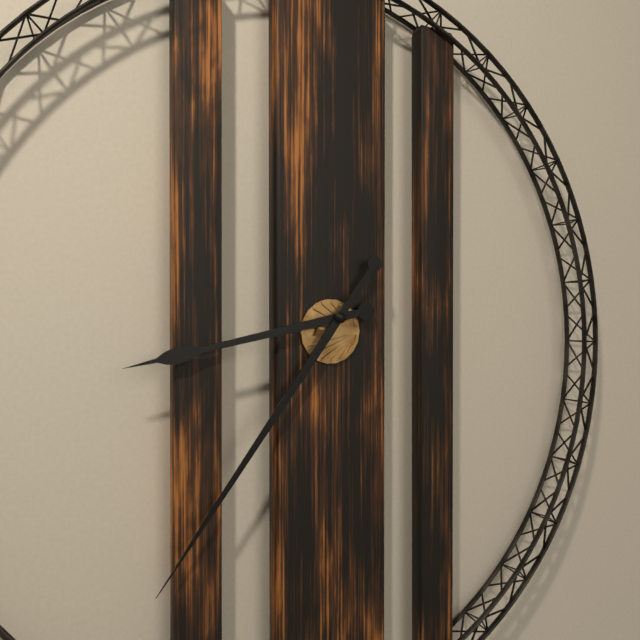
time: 8:36
